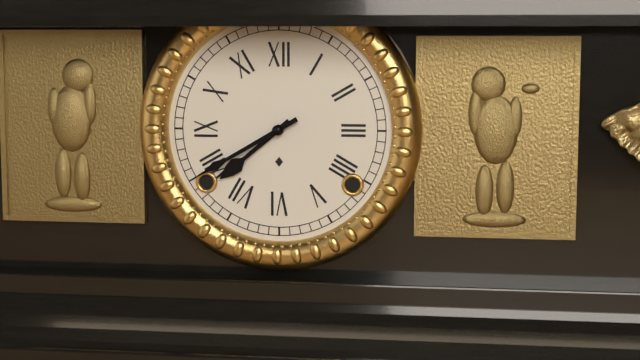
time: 7:40
